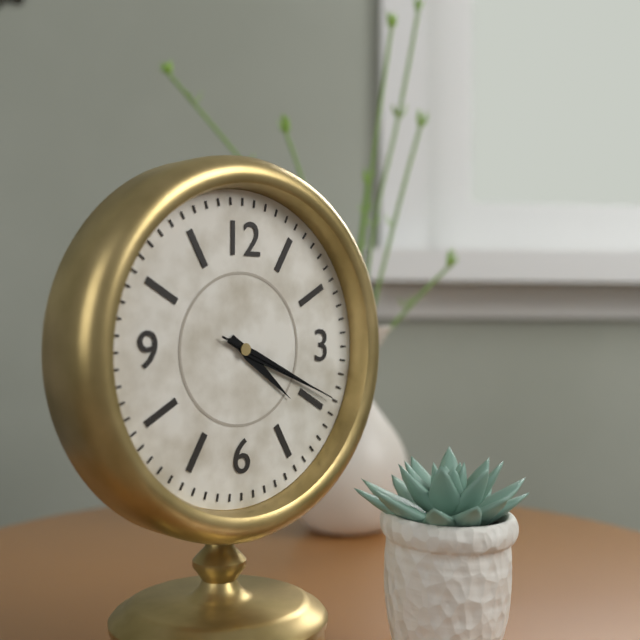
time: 4:19:19
